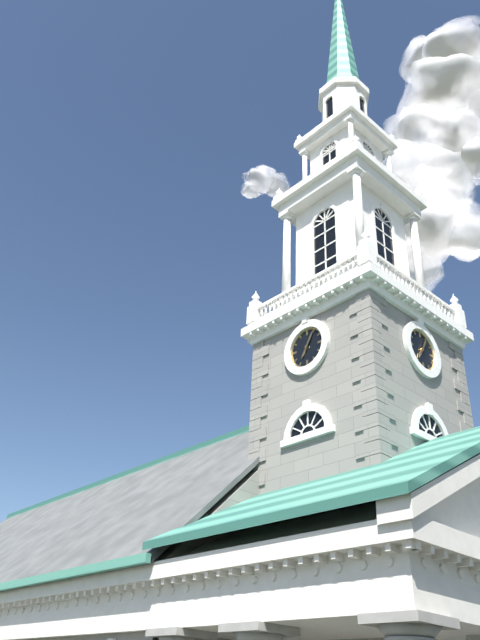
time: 7:05
